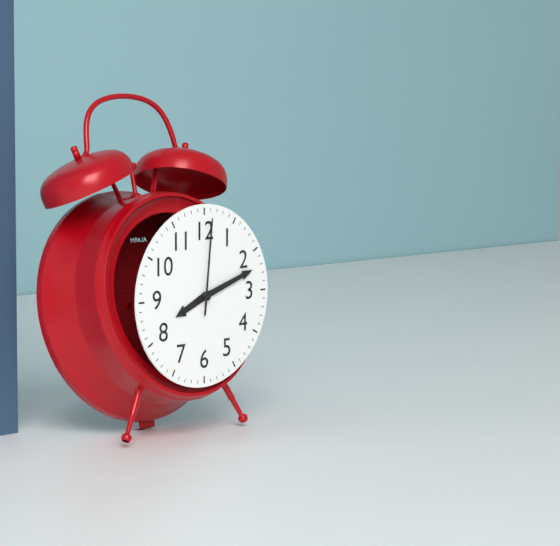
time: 8:12:01
